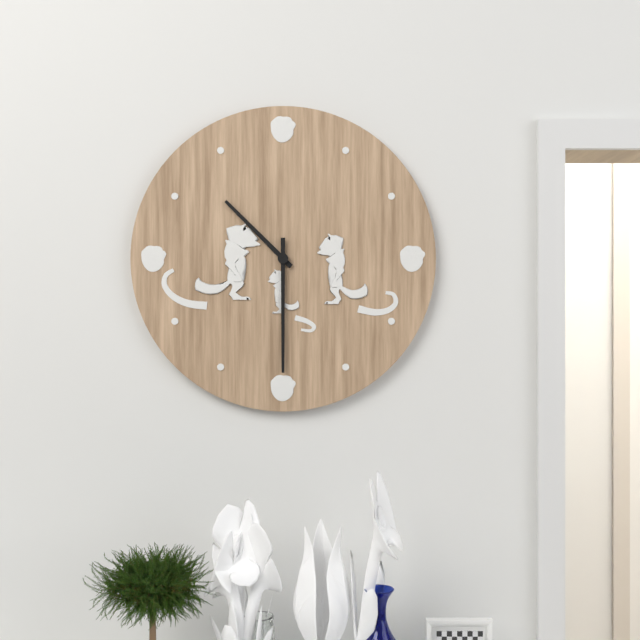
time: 10:30
